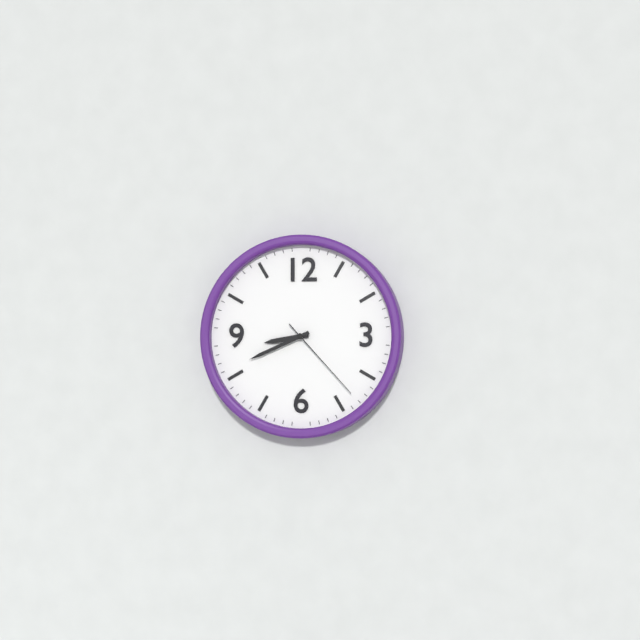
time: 8:41:23
